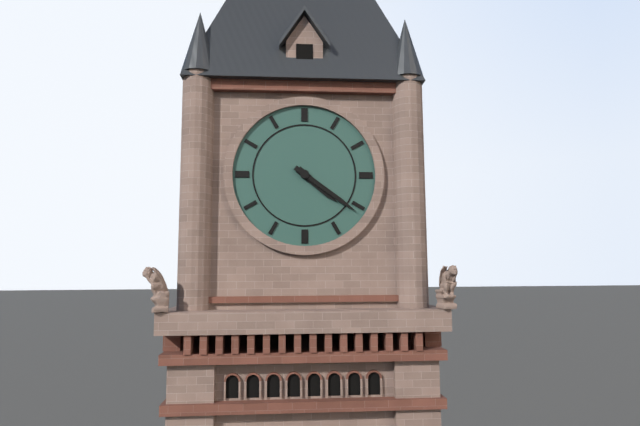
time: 4:21
